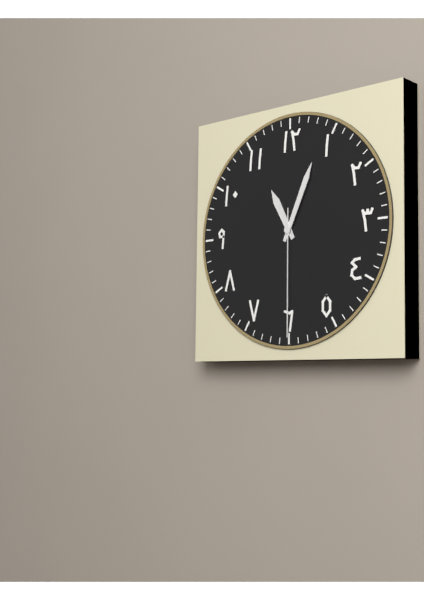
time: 11:04:30
